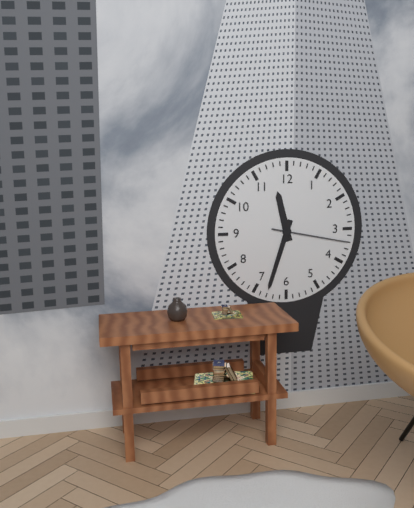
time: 11:33:17
